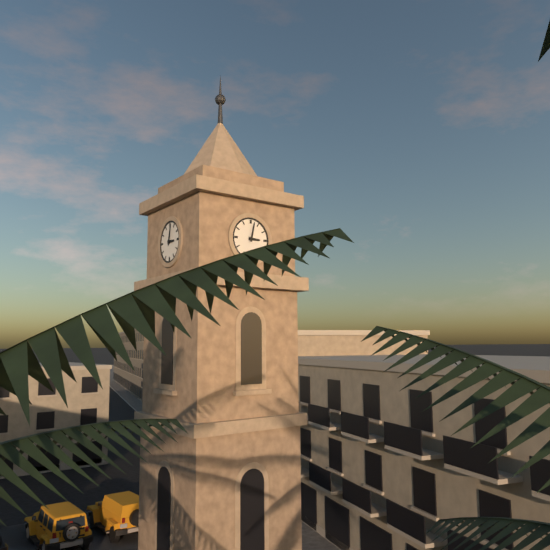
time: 3:02
